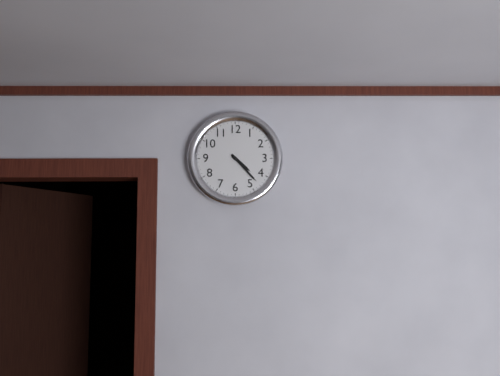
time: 4:23
